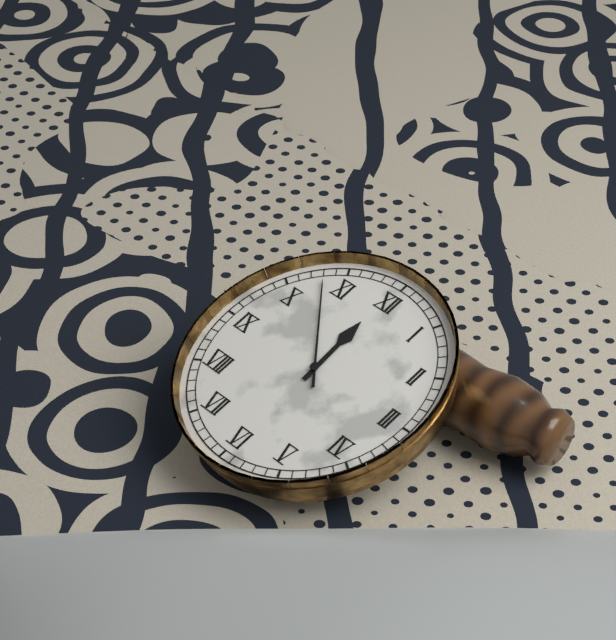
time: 11:53
